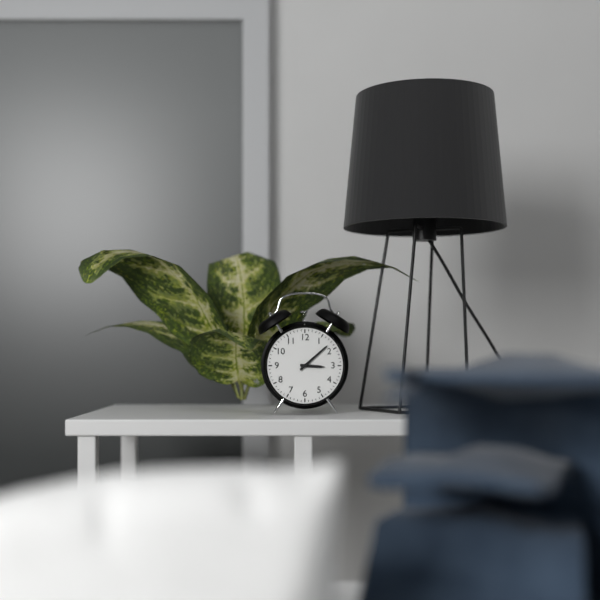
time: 3:08
